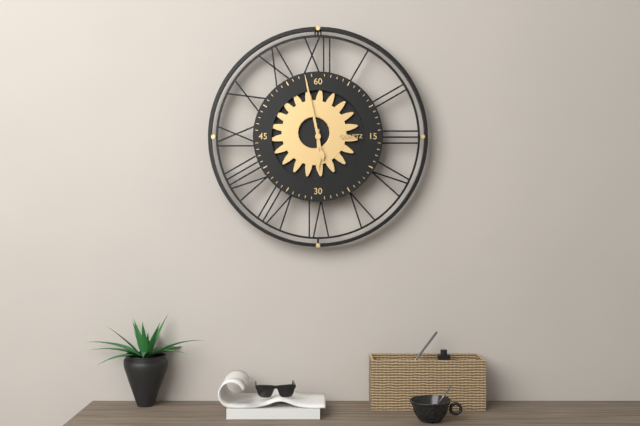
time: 5:58
